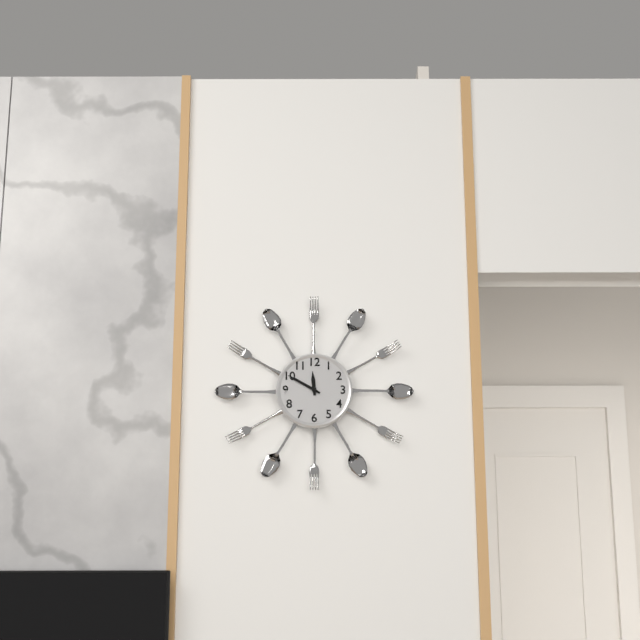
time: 11:50
